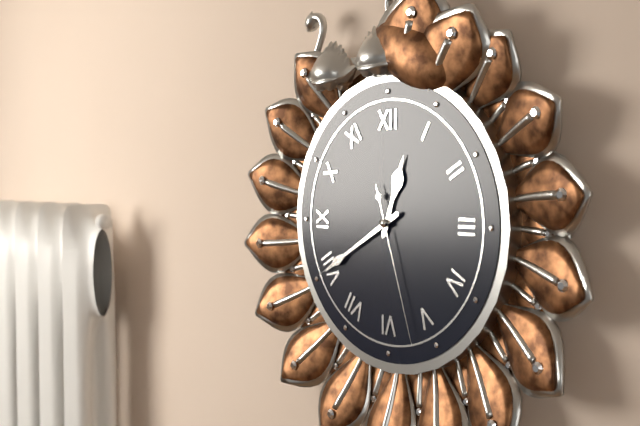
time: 12:40:27
